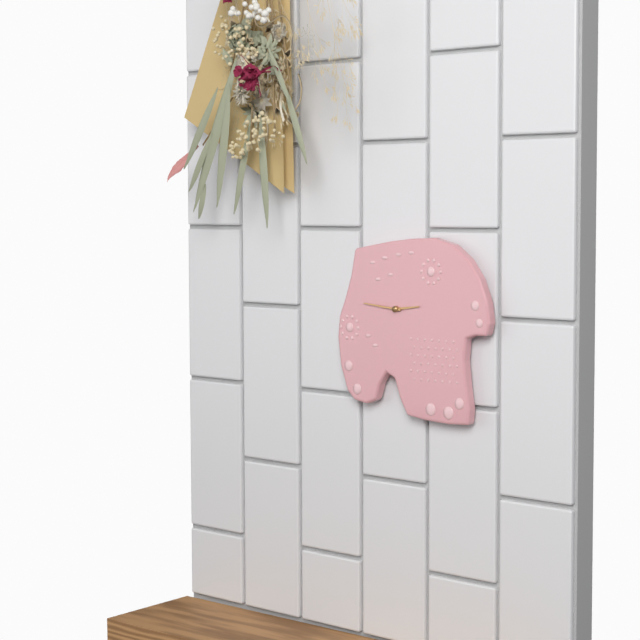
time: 2:46
